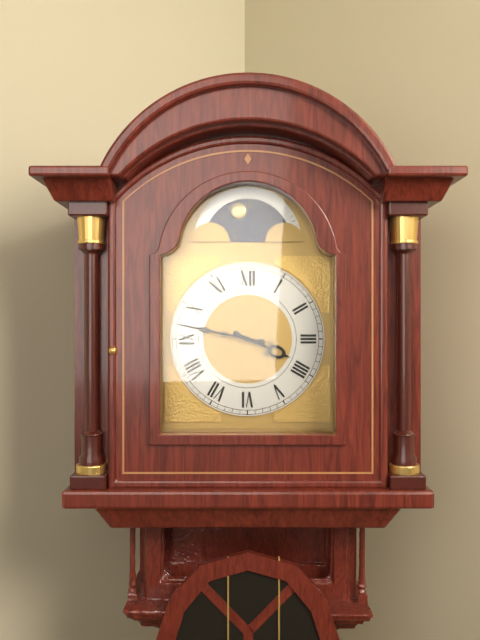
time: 3:47
